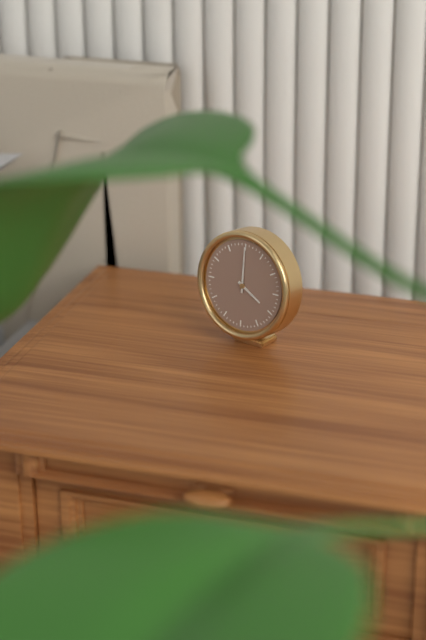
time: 4:00
